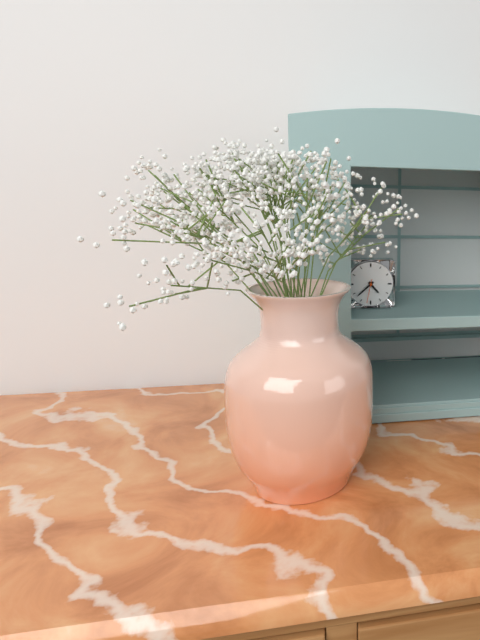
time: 4:38
